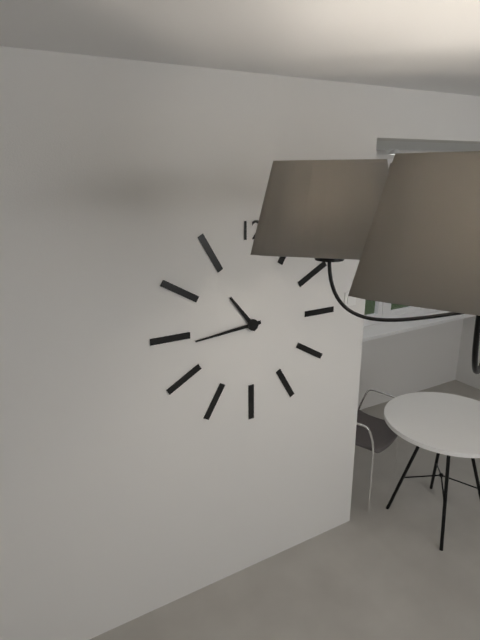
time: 10:44
